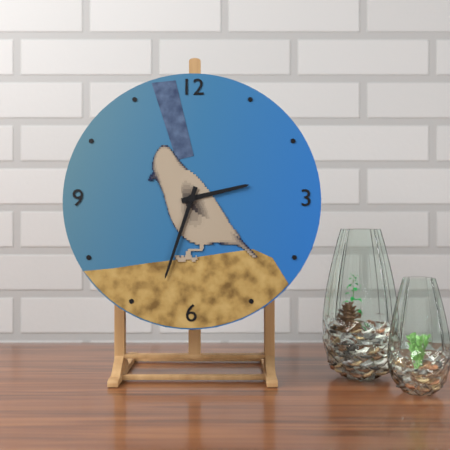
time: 2:33
